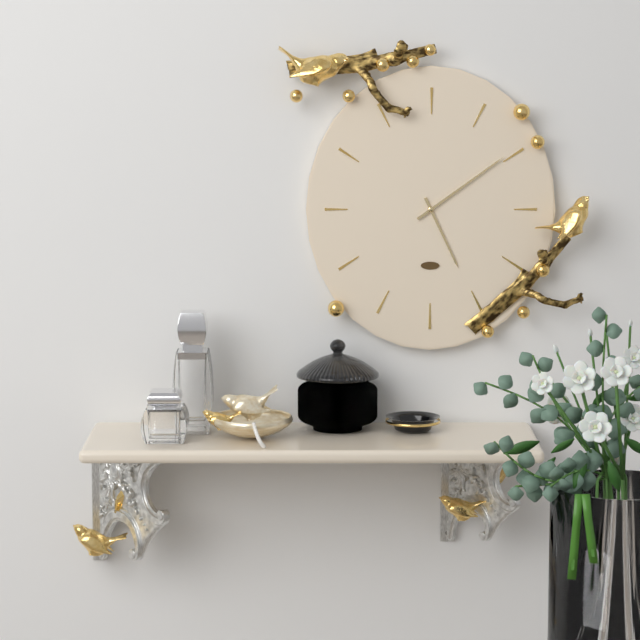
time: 5:09
